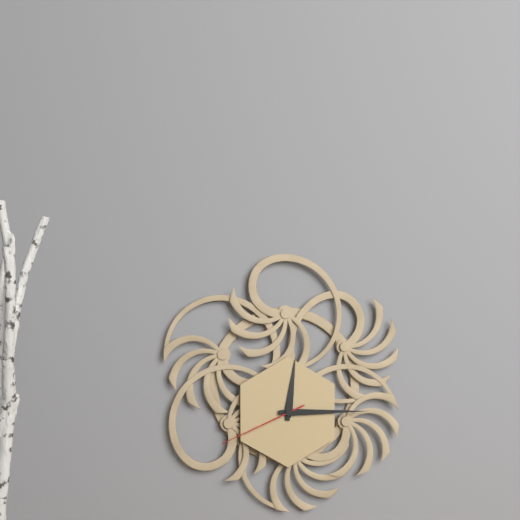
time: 12:15:41
